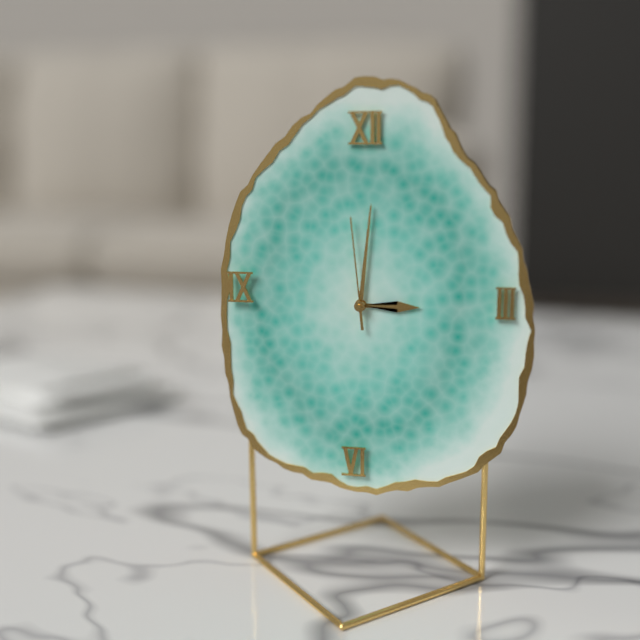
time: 3:01:59
